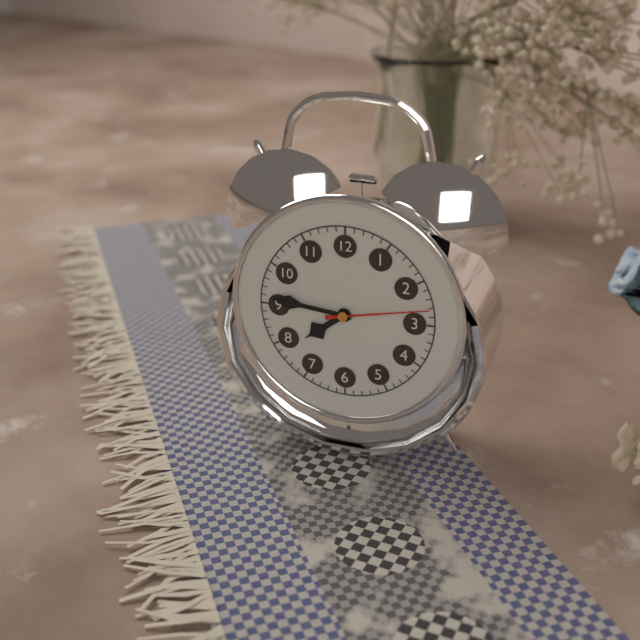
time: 7:46:13
